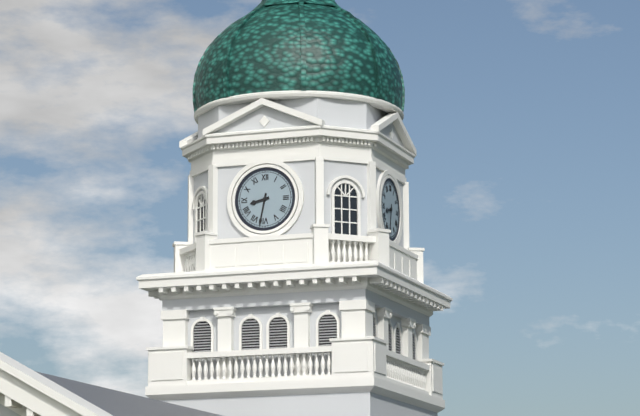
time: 8:32
